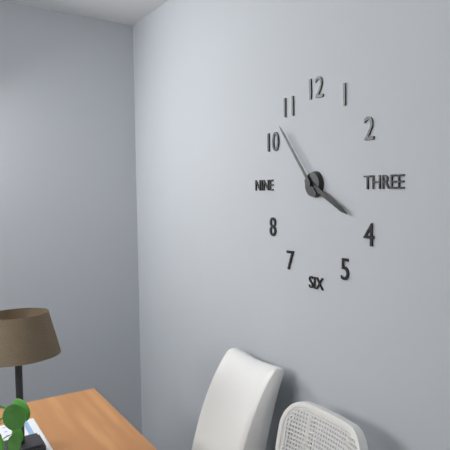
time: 3:53
